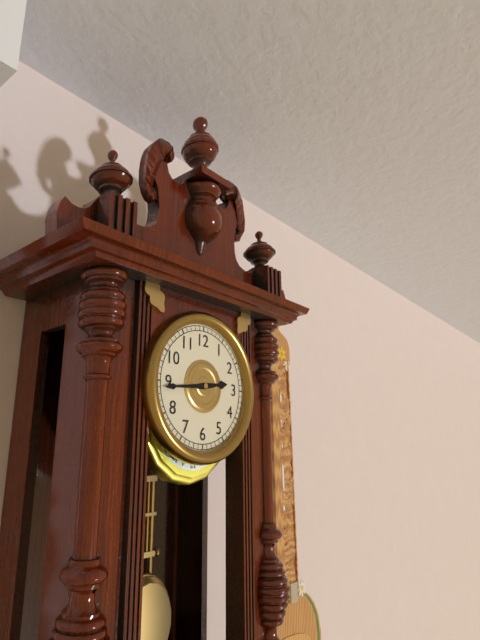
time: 2:44
